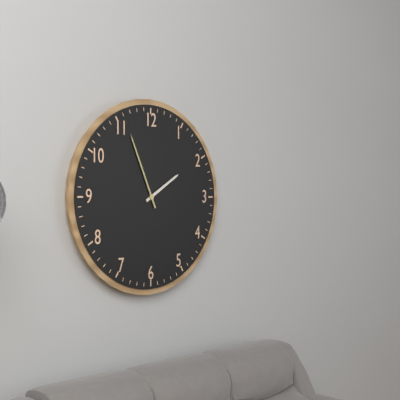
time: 1:56
